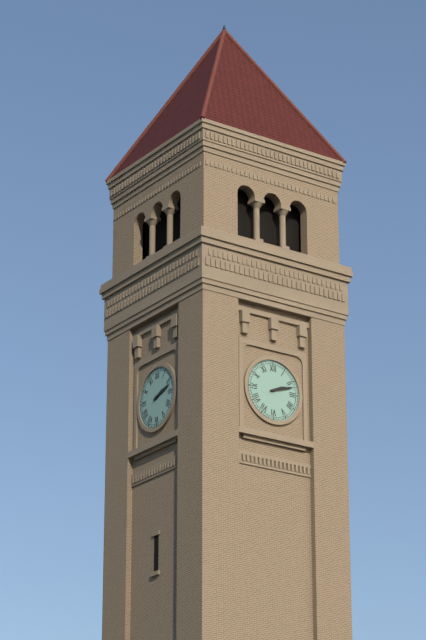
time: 2:12
